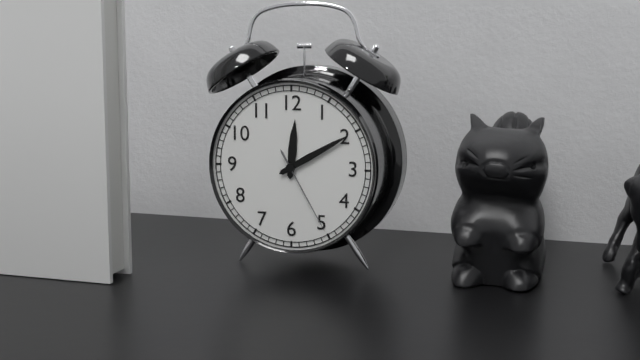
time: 12:10:25
